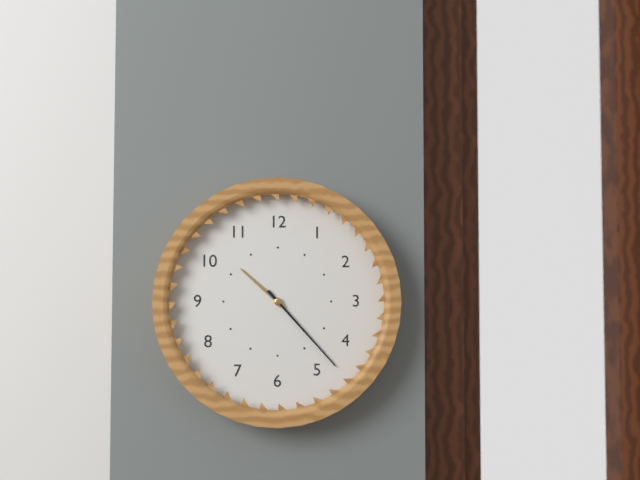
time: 10:23
